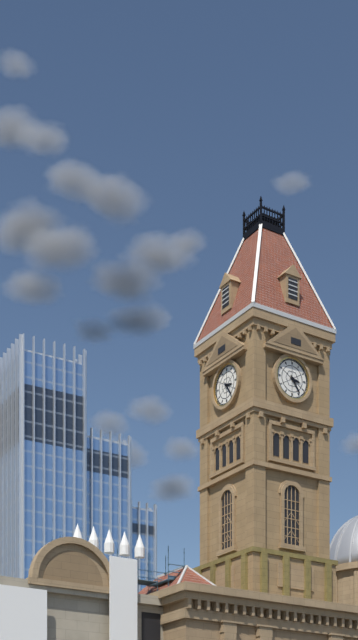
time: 3:24
